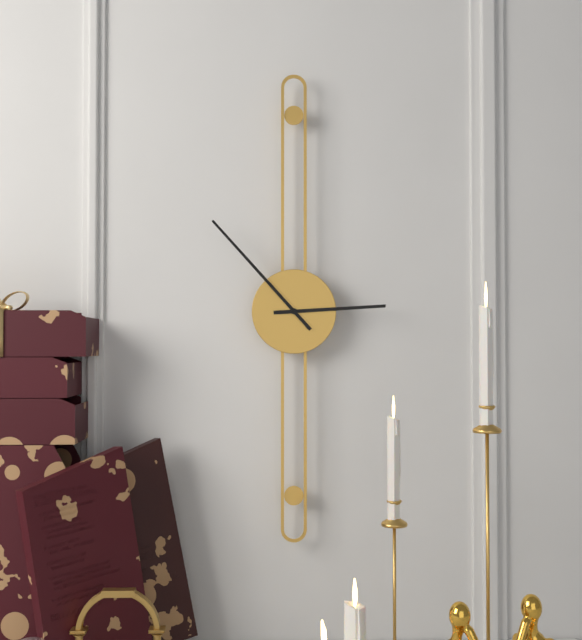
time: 2:53
